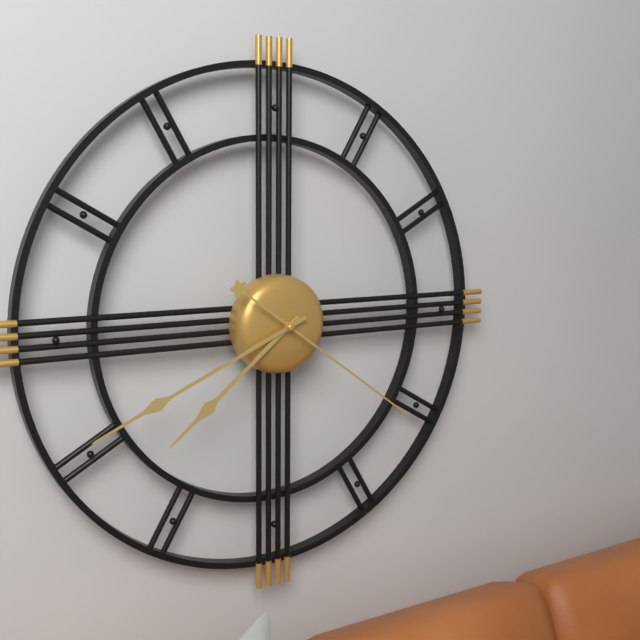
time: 7:41:21
